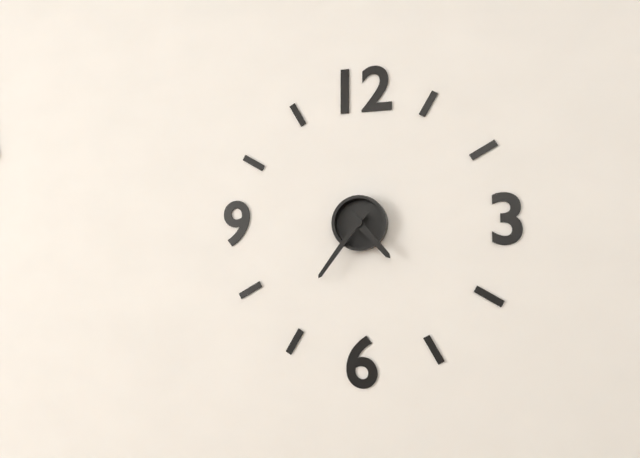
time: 4:36
